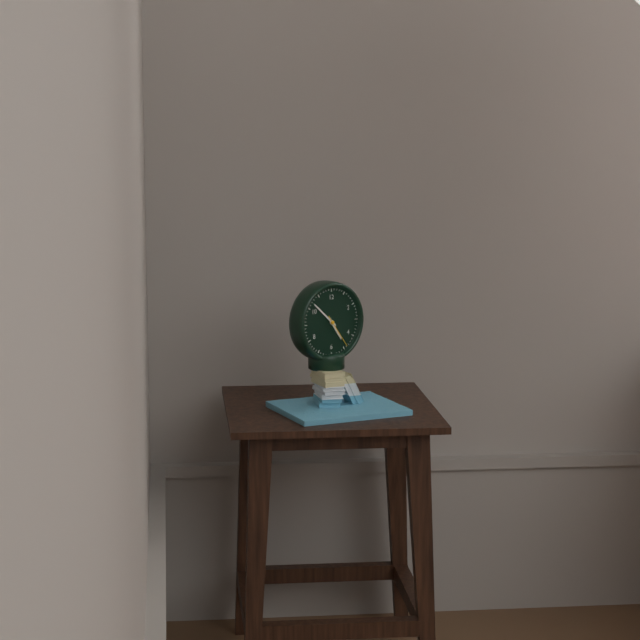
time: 4:52
